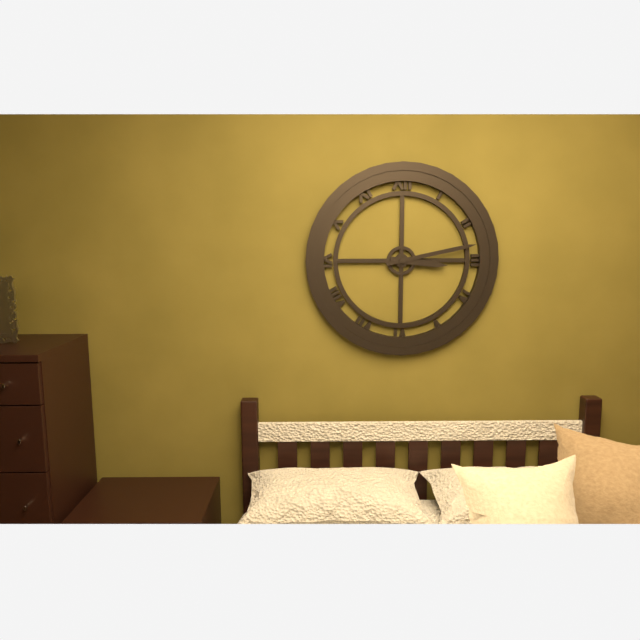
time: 3:13
